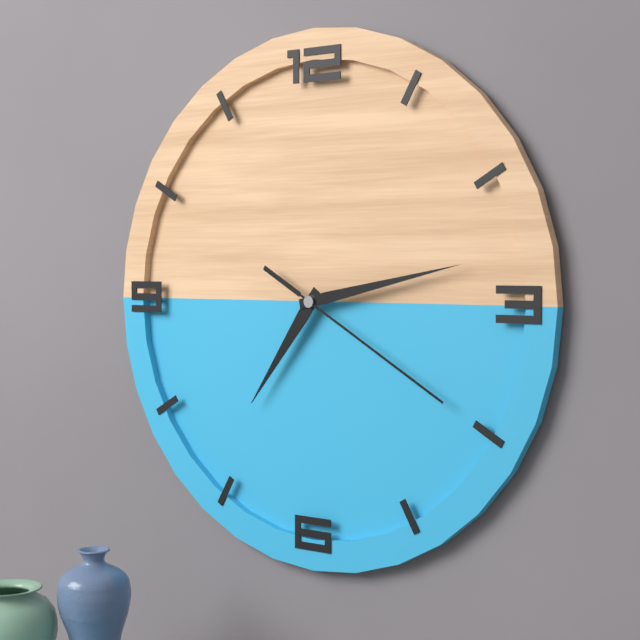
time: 7:13:20
